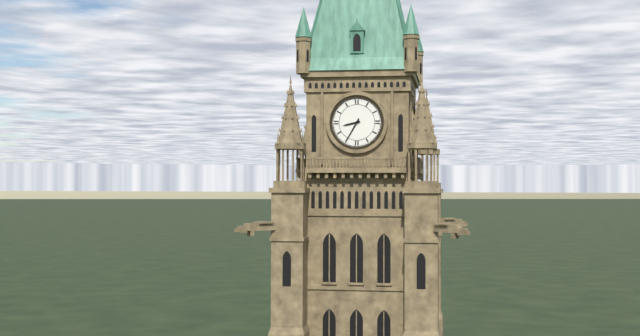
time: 8:35
